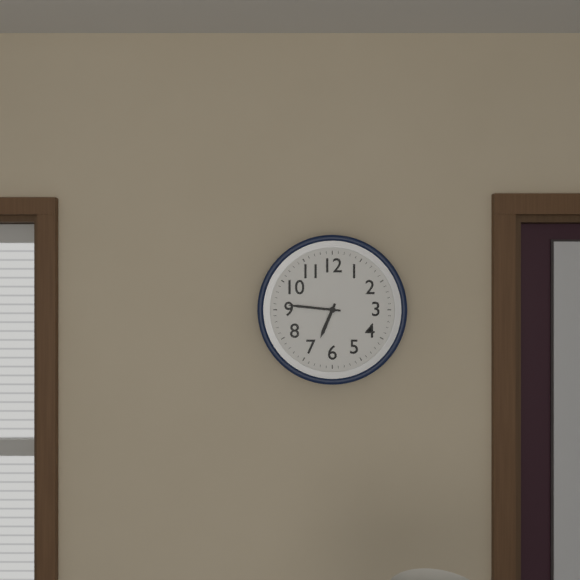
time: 6:46
